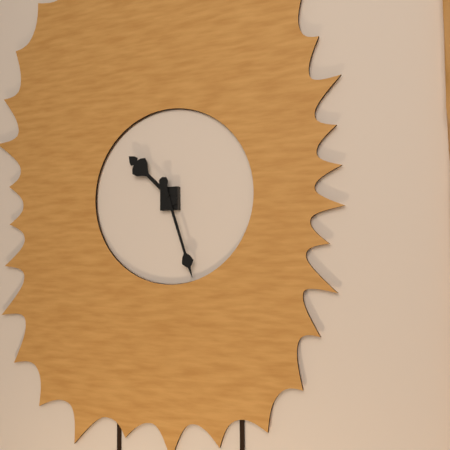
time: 10:27
